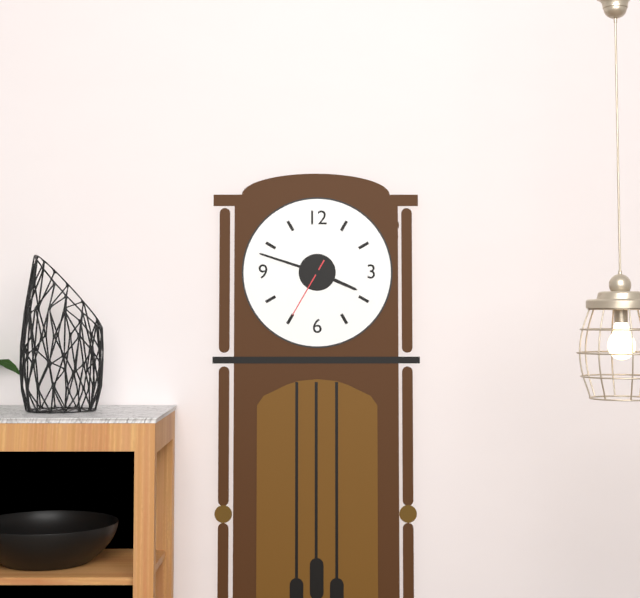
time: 3:48:35
